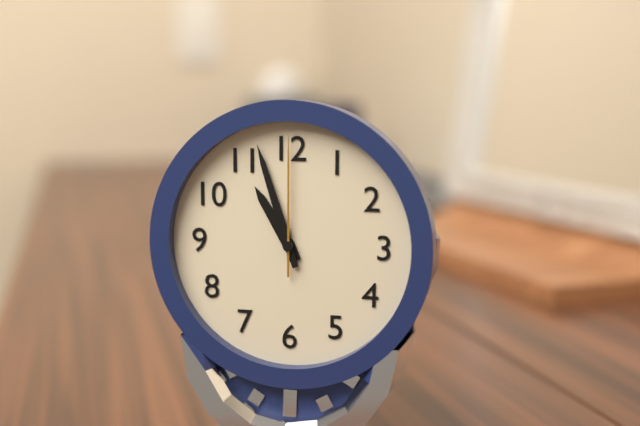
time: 10:57:00
